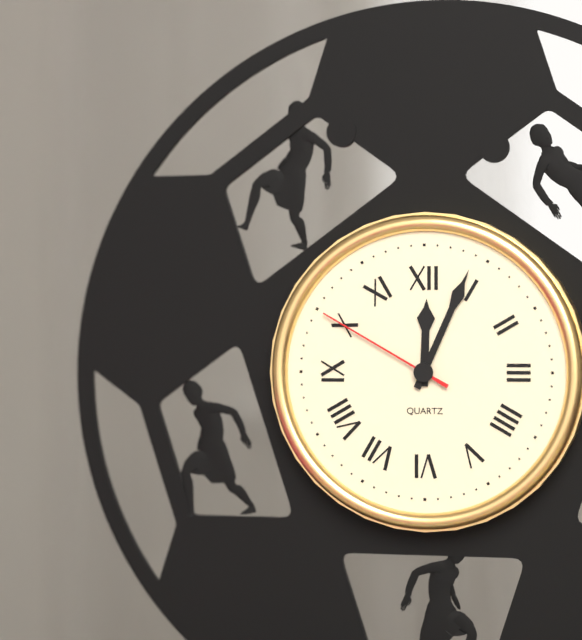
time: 12:04:50
